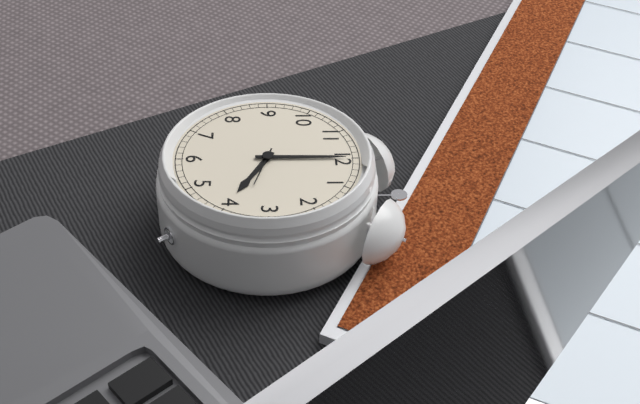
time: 4:00
